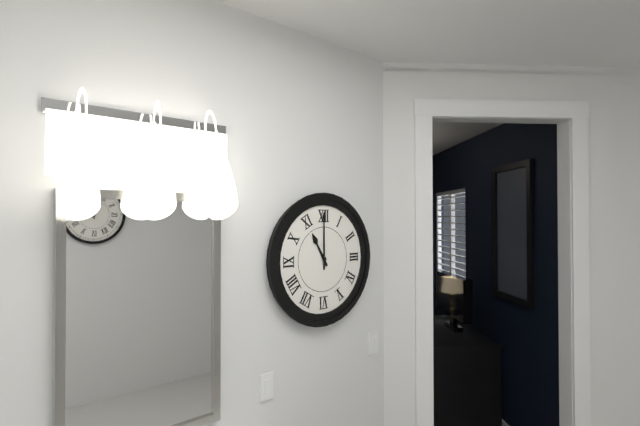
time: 11:00
